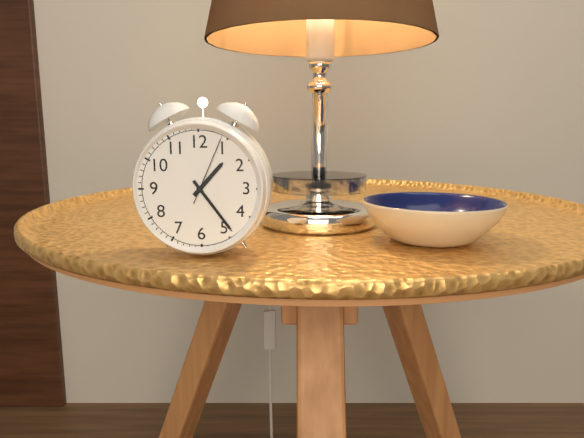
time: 1:24:04
